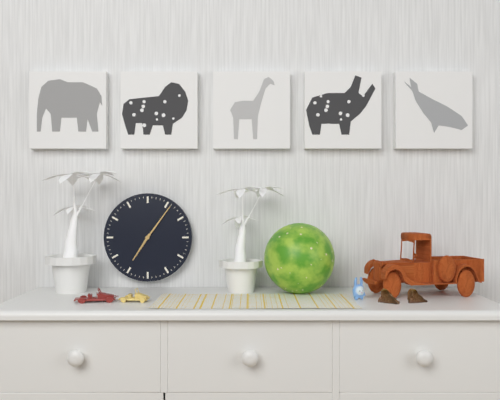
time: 7:06
